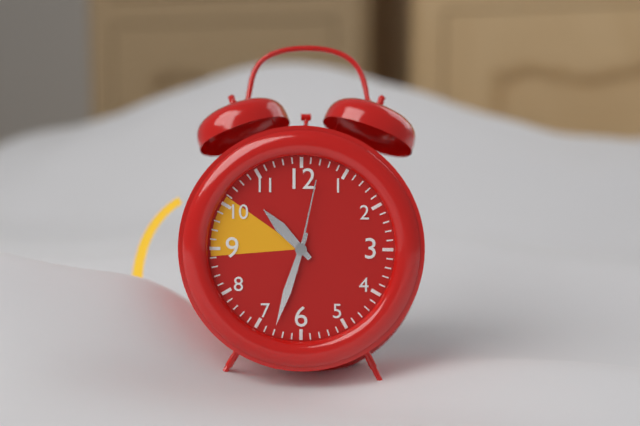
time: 10:33:02
